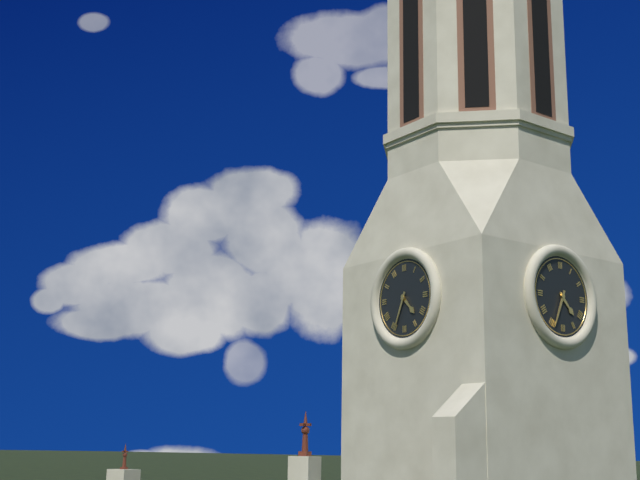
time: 4:34
